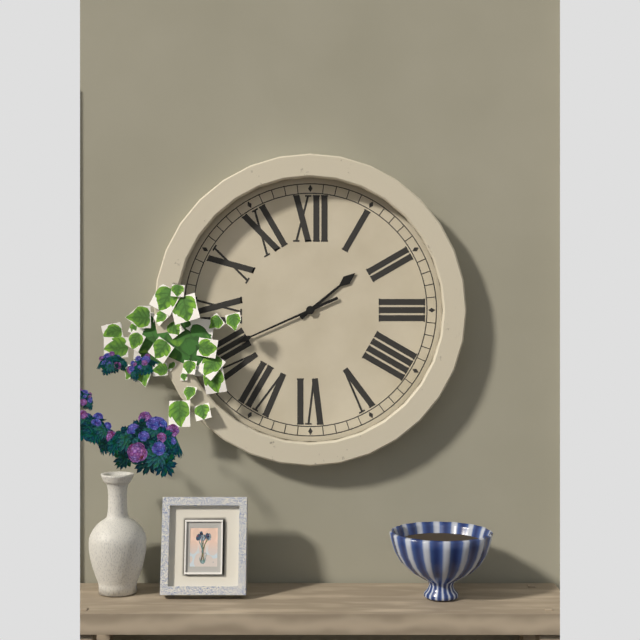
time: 1:41
